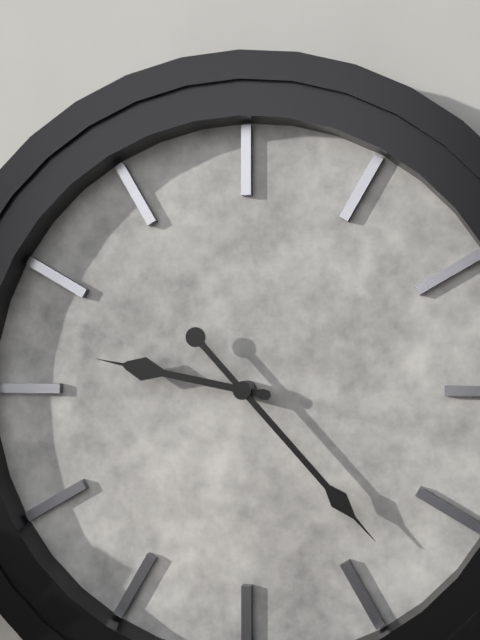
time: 9:23
